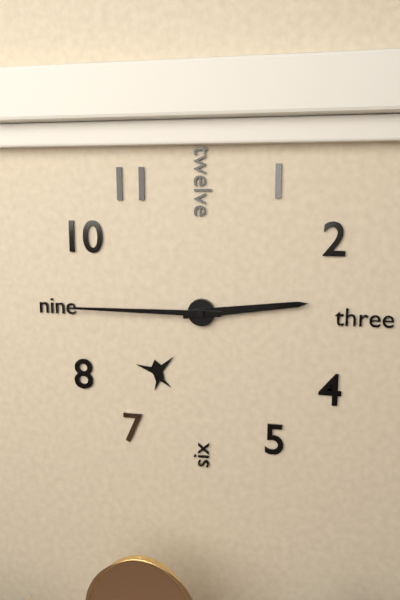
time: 2:45
